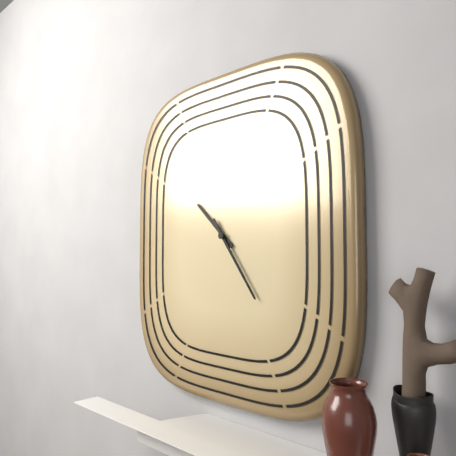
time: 10:24
